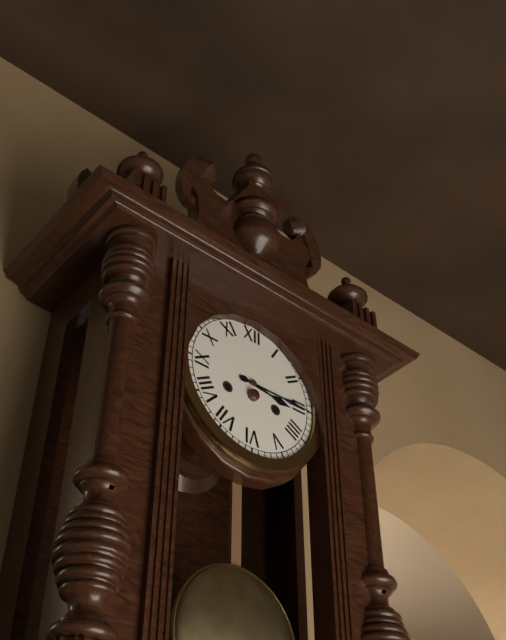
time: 3:15
